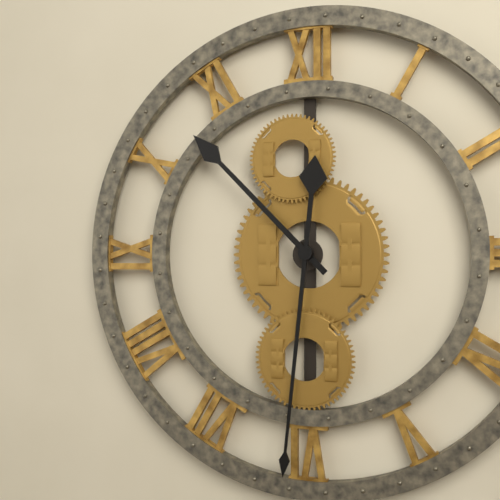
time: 10:31
